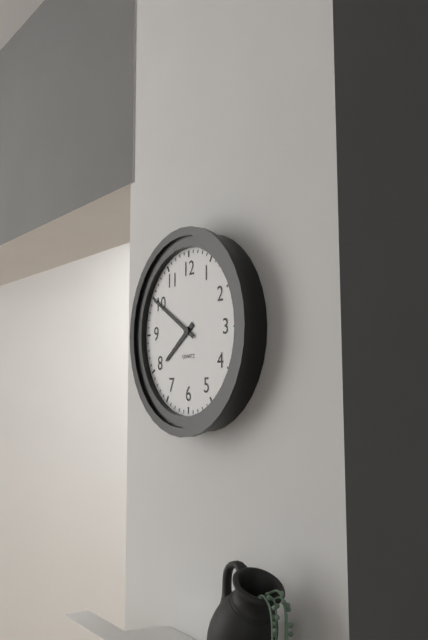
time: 7:50
